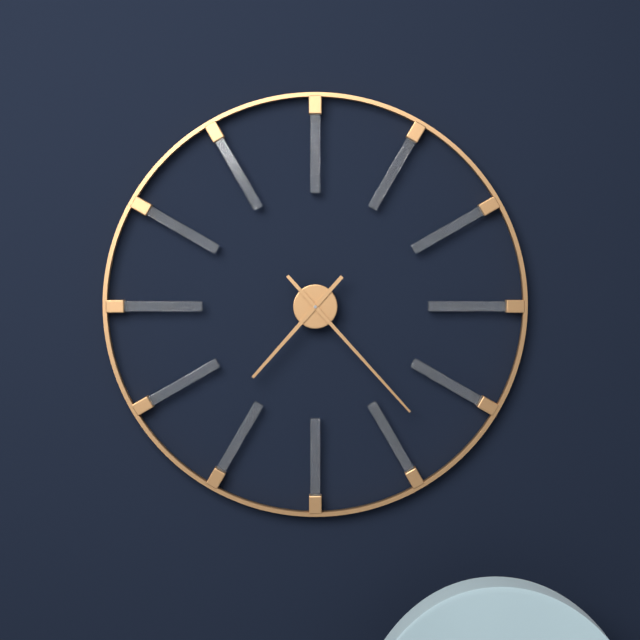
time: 7:23
